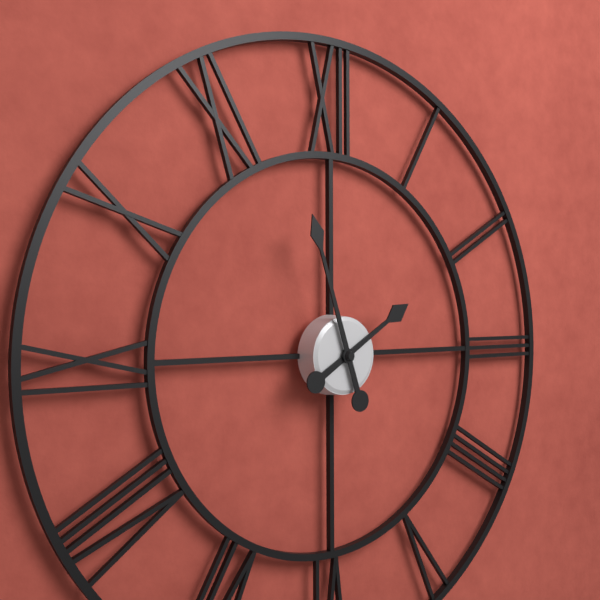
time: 1:57
